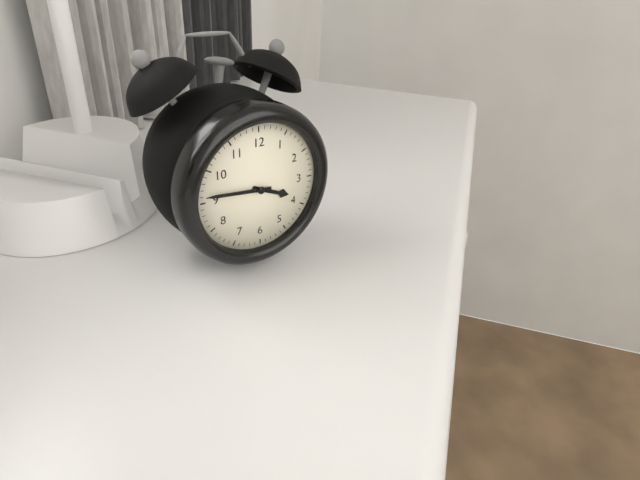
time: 3:46
